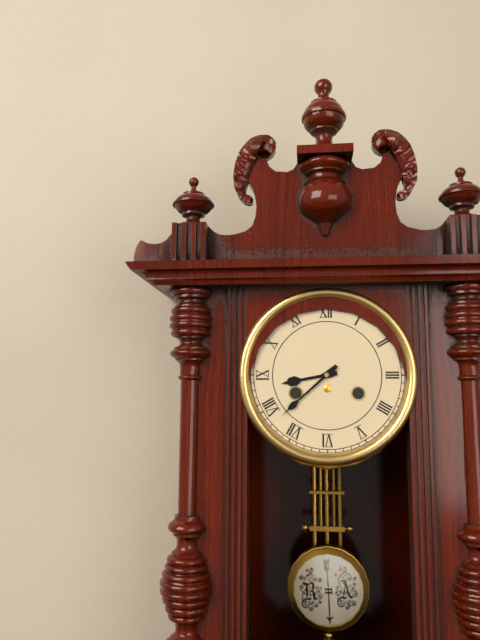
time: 8:38
